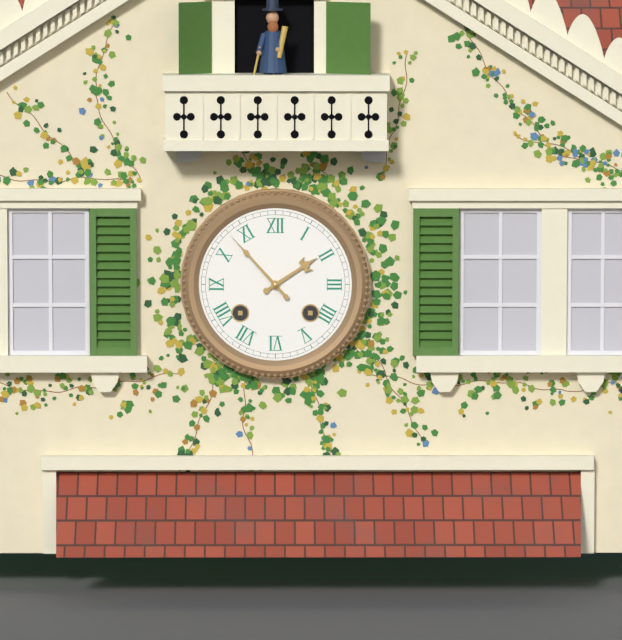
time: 1:53
